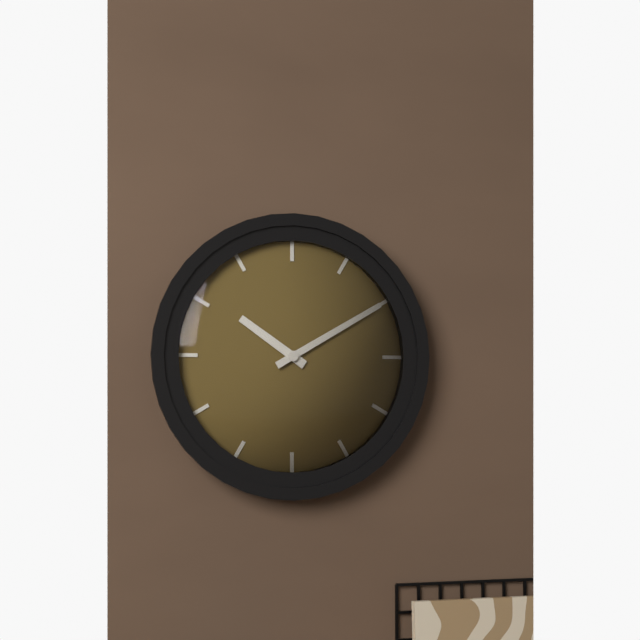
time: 10:10
